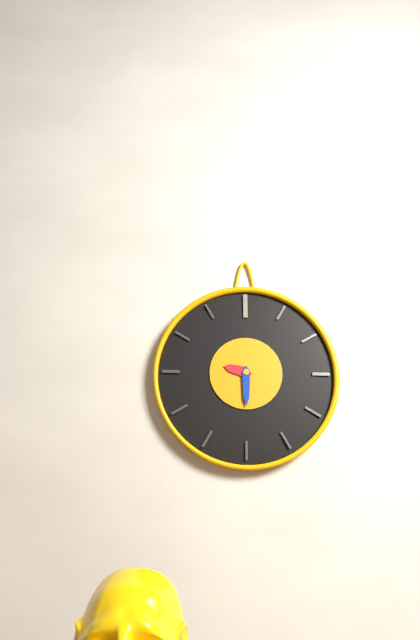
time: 9:30
